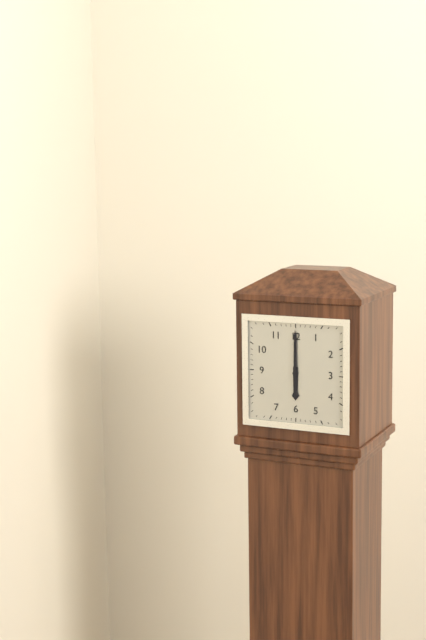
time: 6:00
